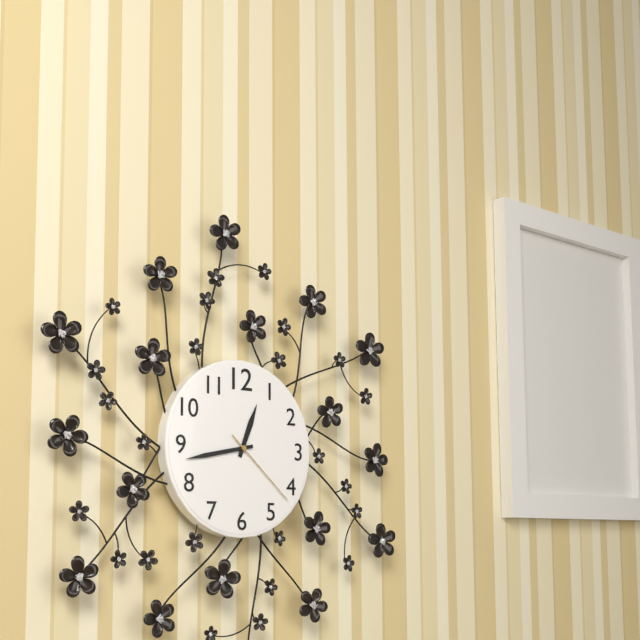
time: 12:43:22
